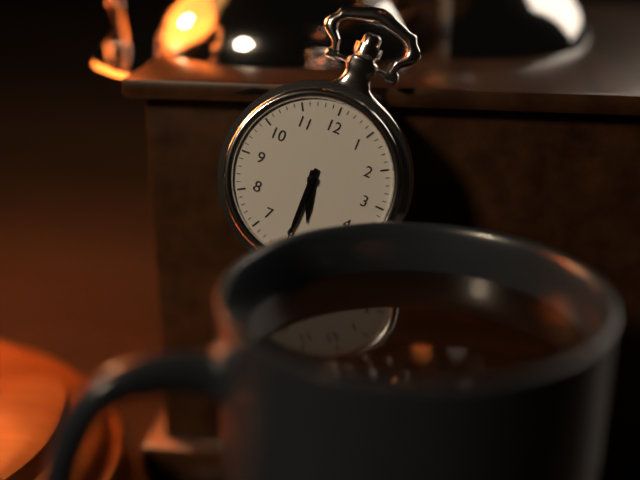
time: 5:30
